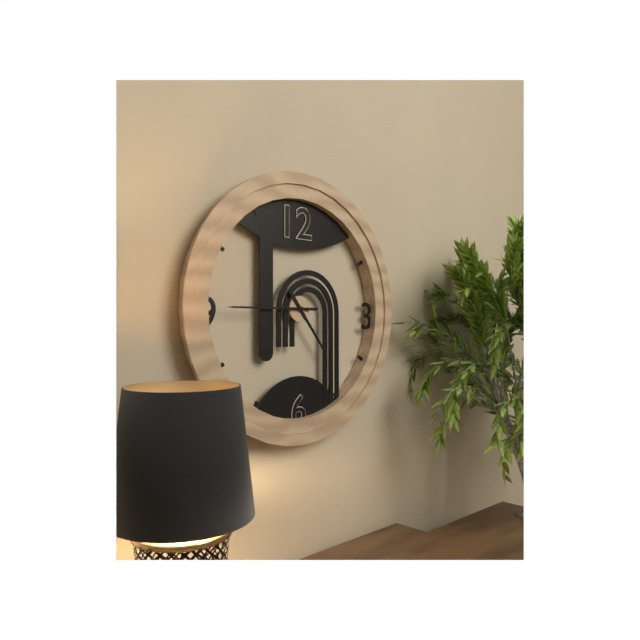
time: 4:45
